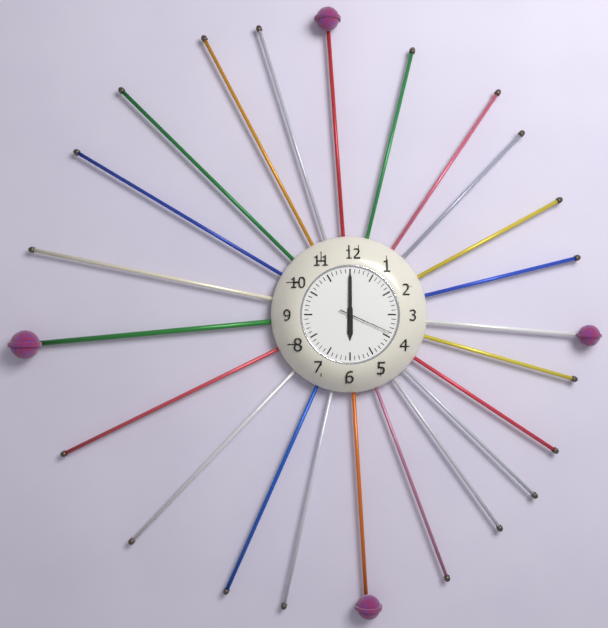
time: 6:00:19
